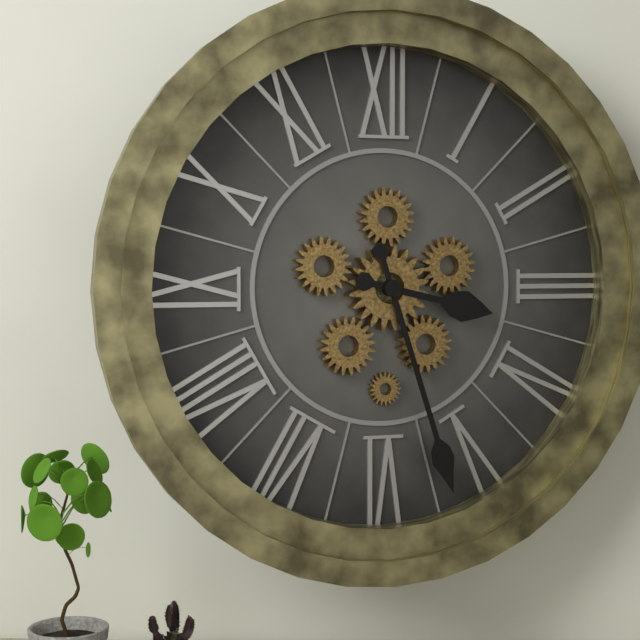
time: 3:27
